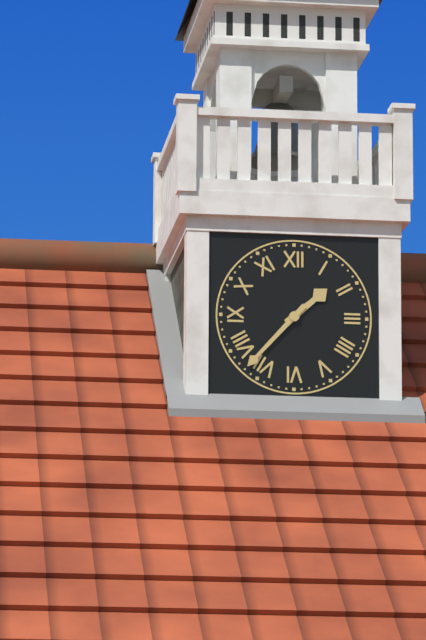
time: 1:37
